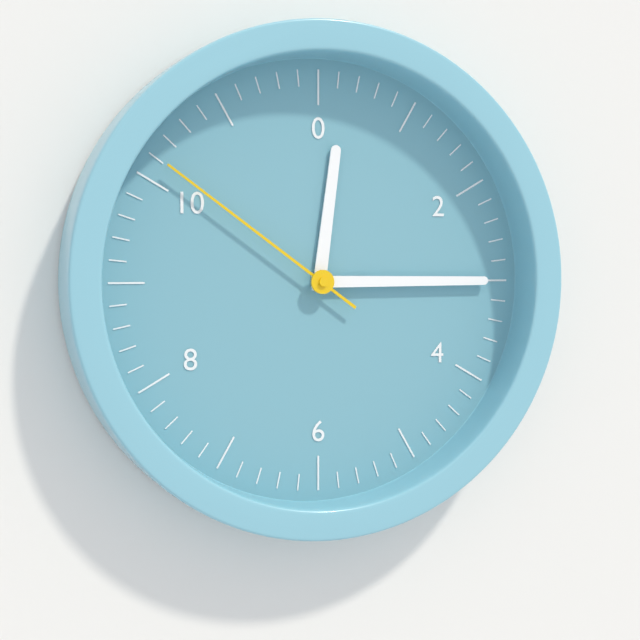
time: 12:15:51
